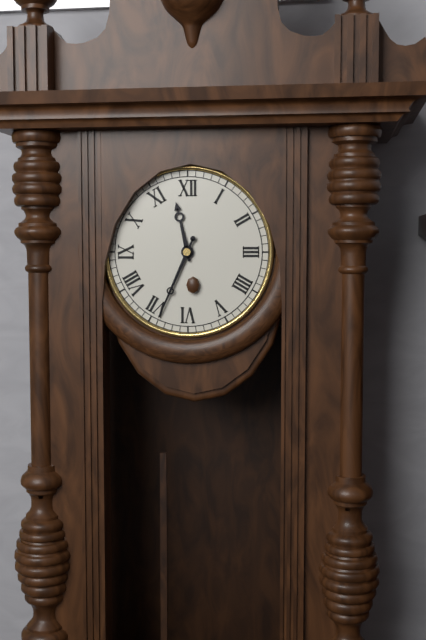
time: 11:34
